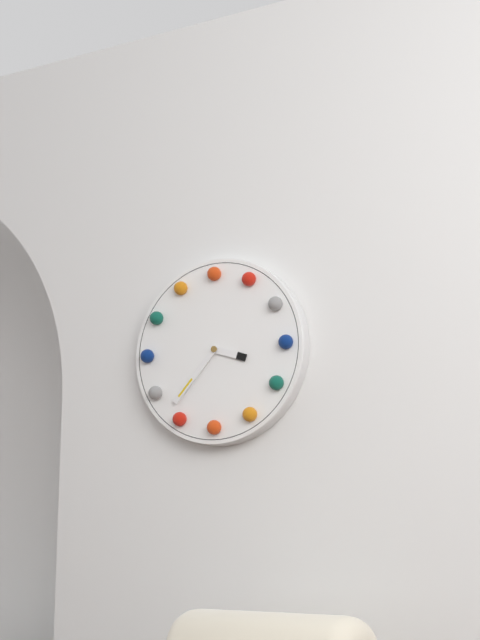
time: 3:37
